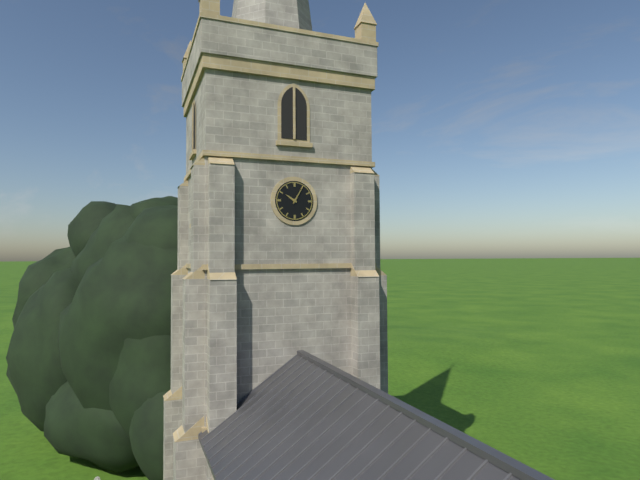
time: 10:05
